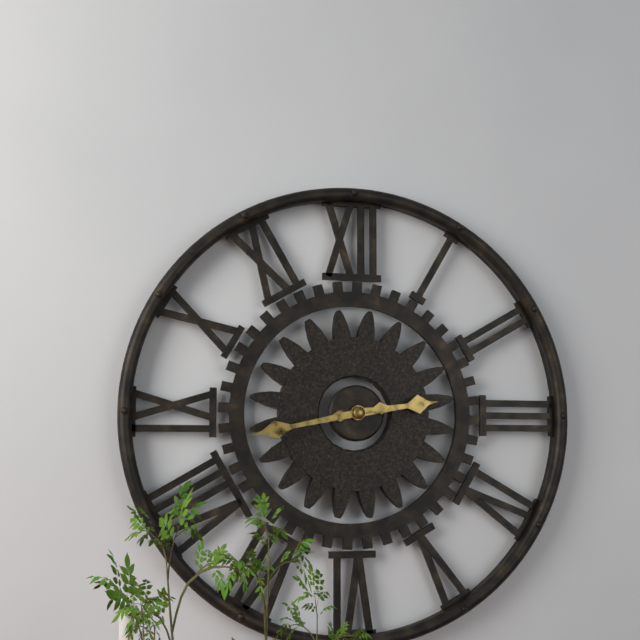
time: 2:43
